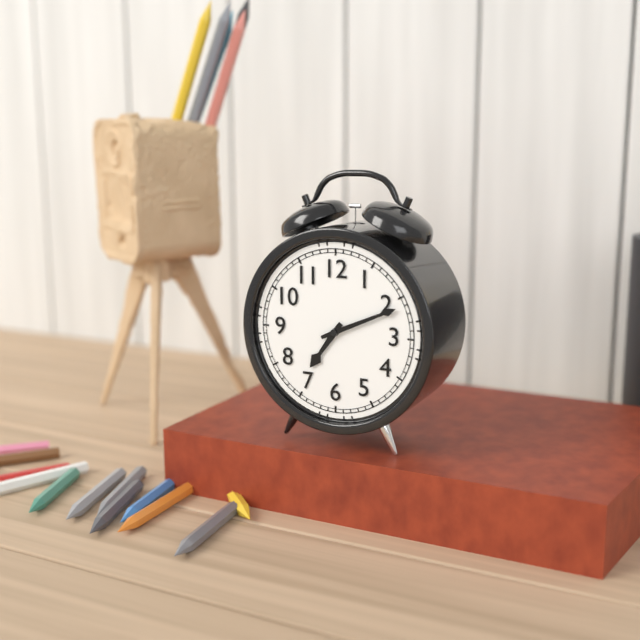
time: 7:11
